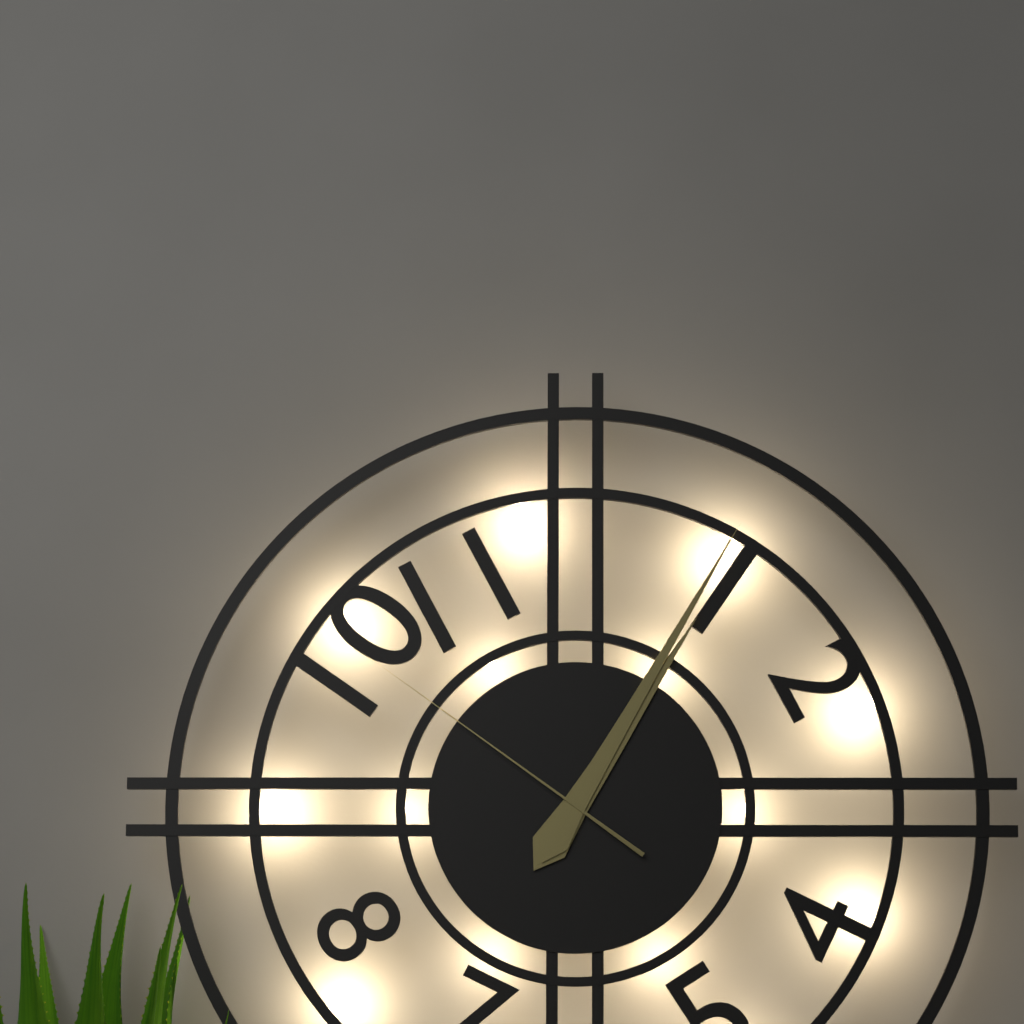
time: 1:05:51
